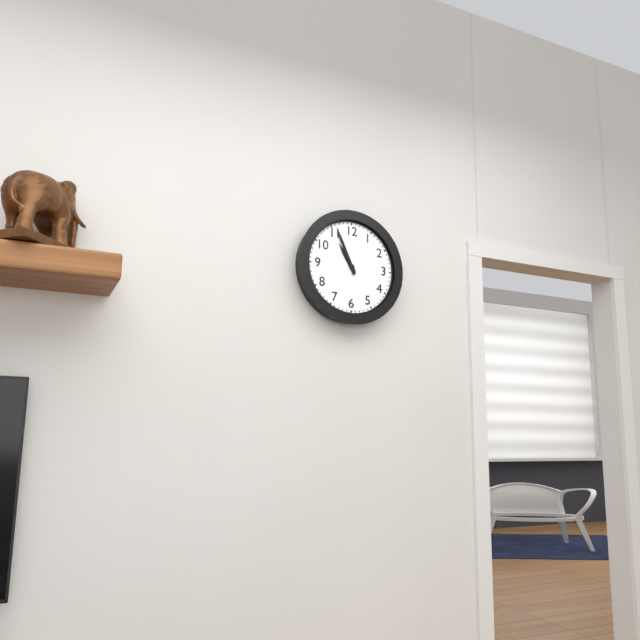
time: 10:56
